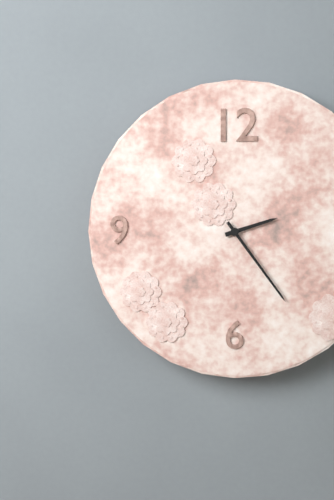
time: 2:24
